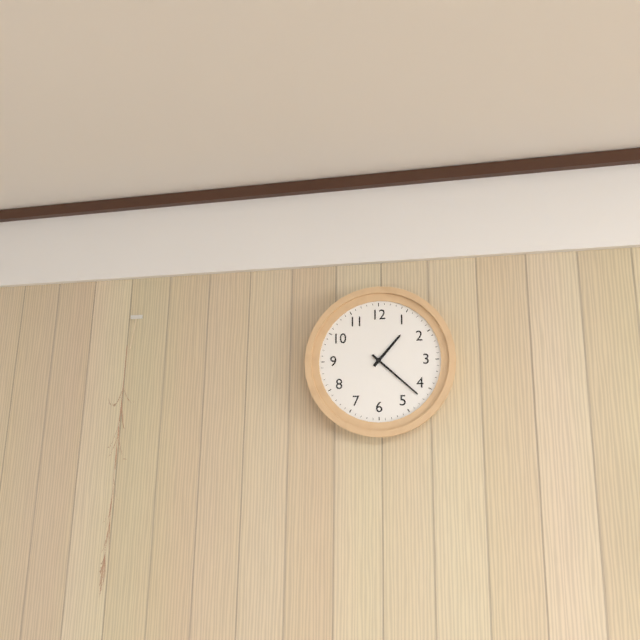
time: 1:22
